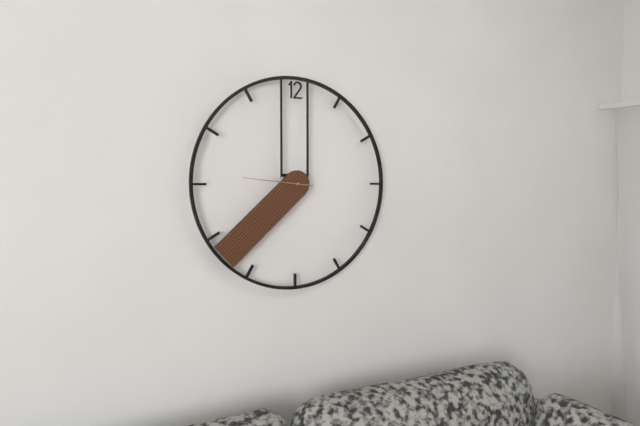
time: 7:38:46
